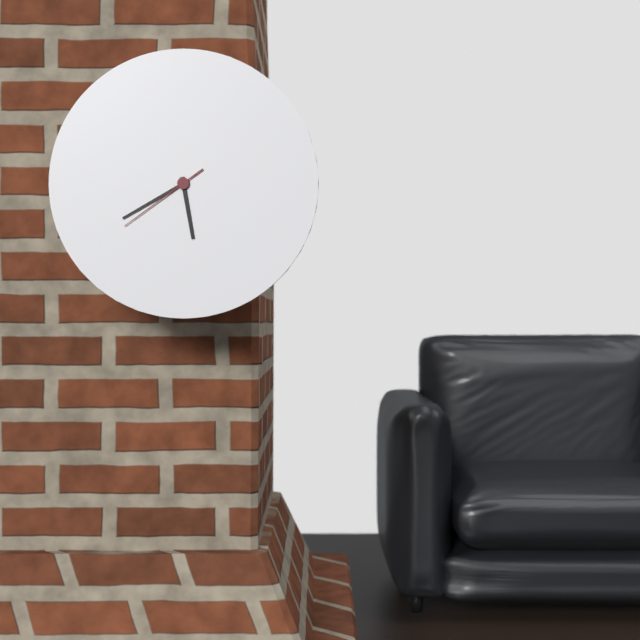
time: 5:40:39
